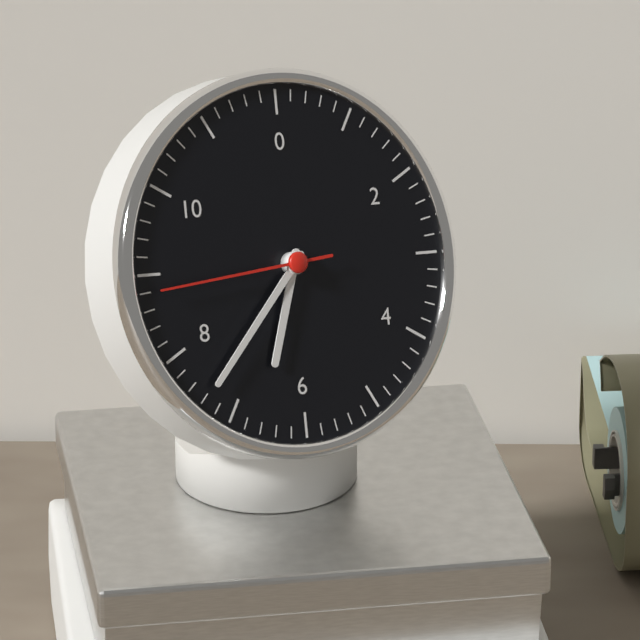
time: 6:37:44
